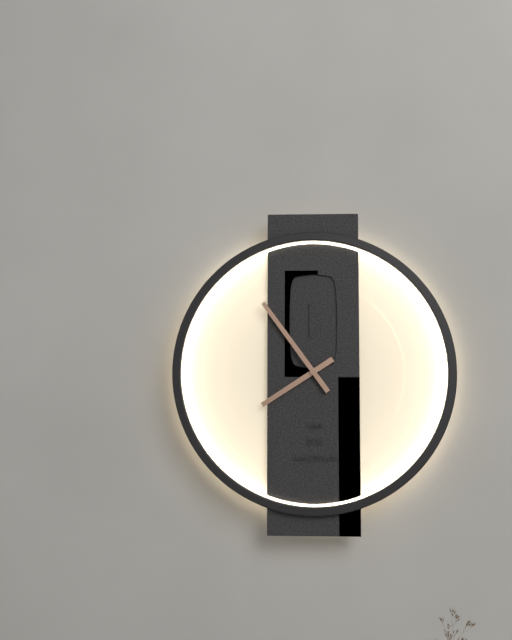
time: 7:54
